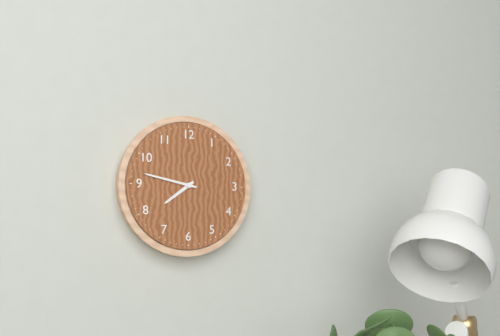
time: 7:47
